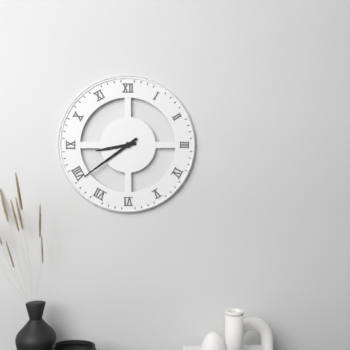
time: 8:39
